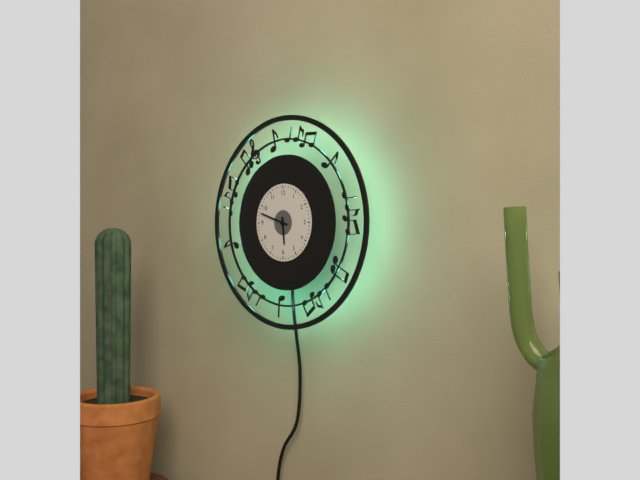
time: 5:48
